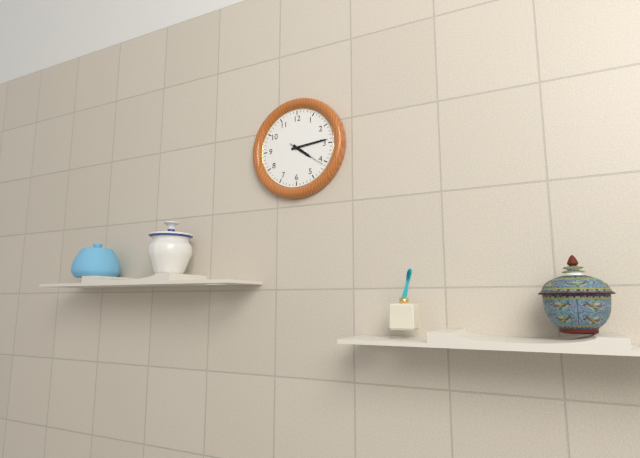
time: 4:14
